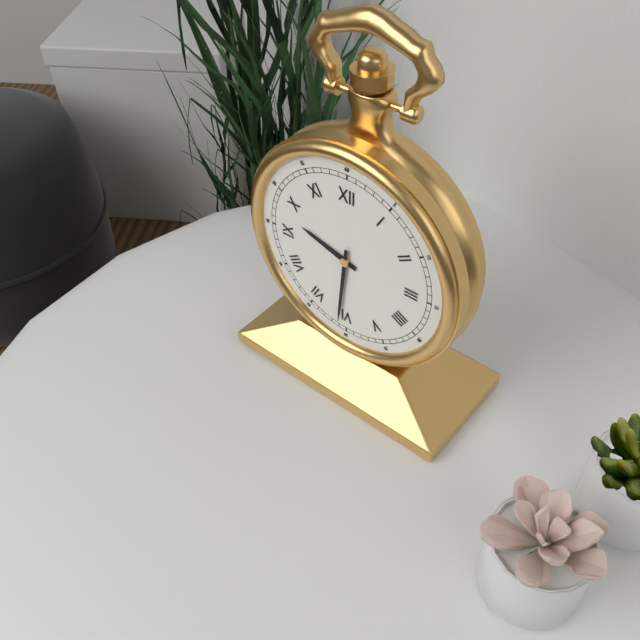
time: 9:31
